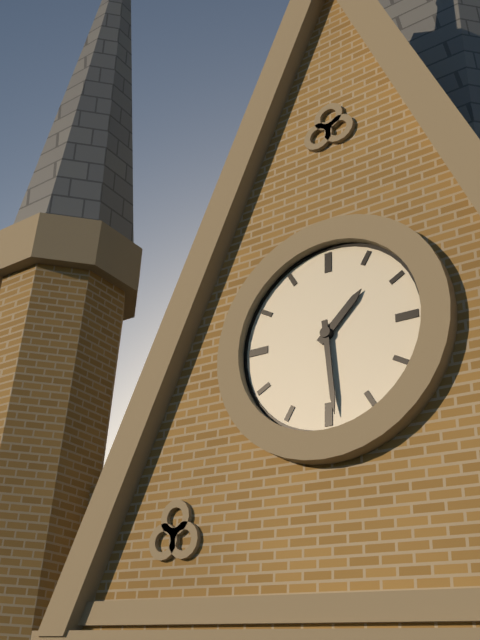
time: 1:29
